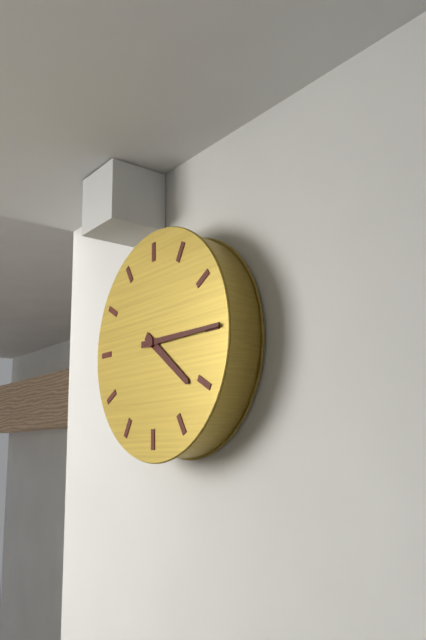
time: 4:15
